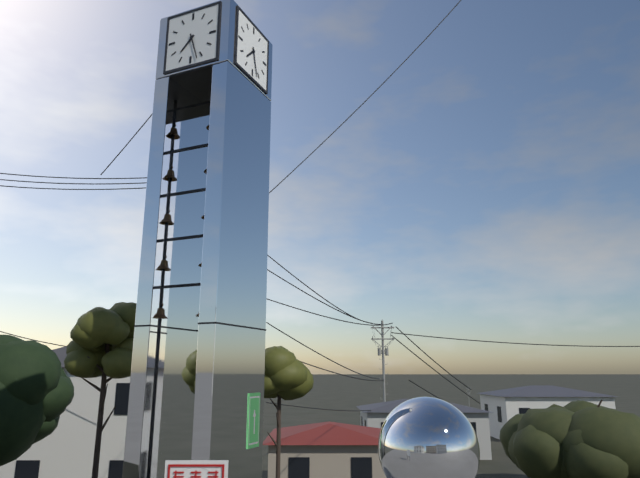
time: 7:27
